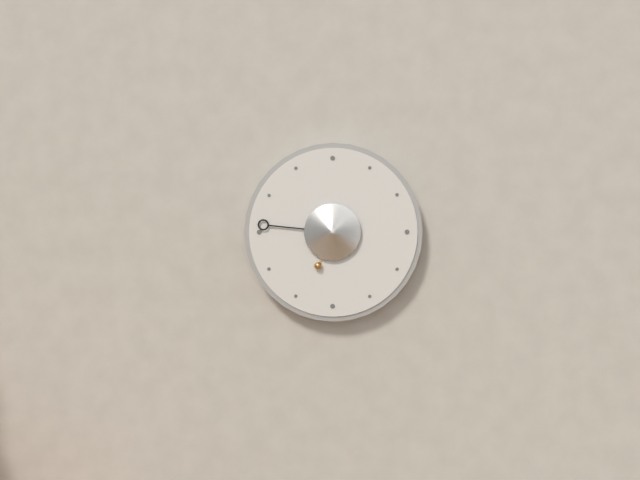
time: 6:46
